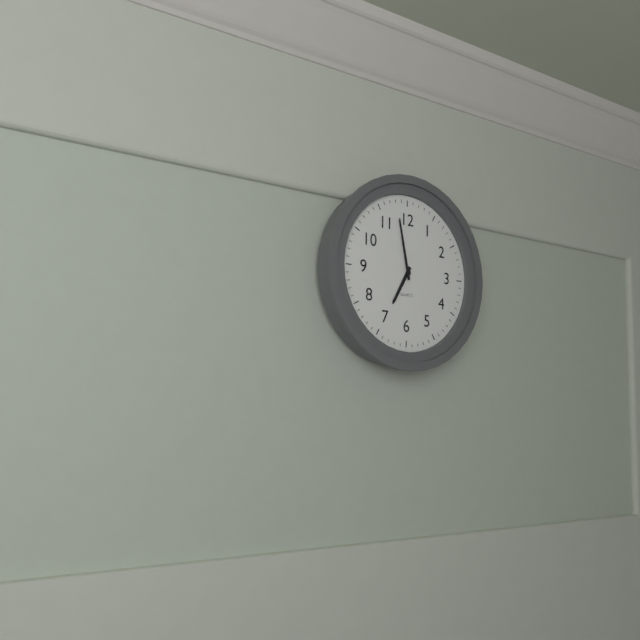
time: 6:58
